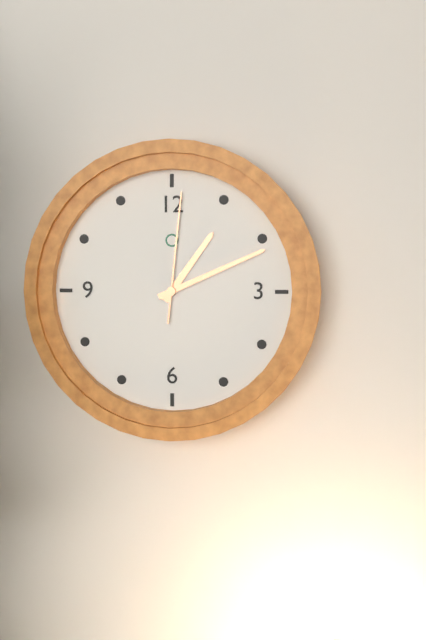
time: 1:11:01
